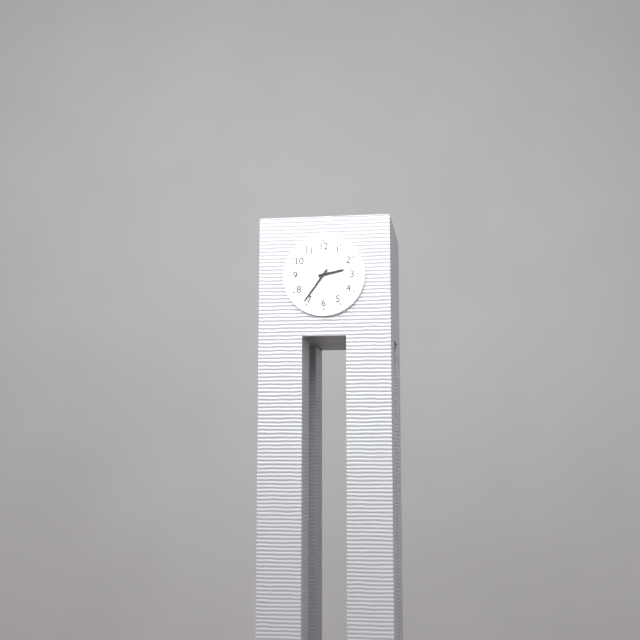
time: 2:36
